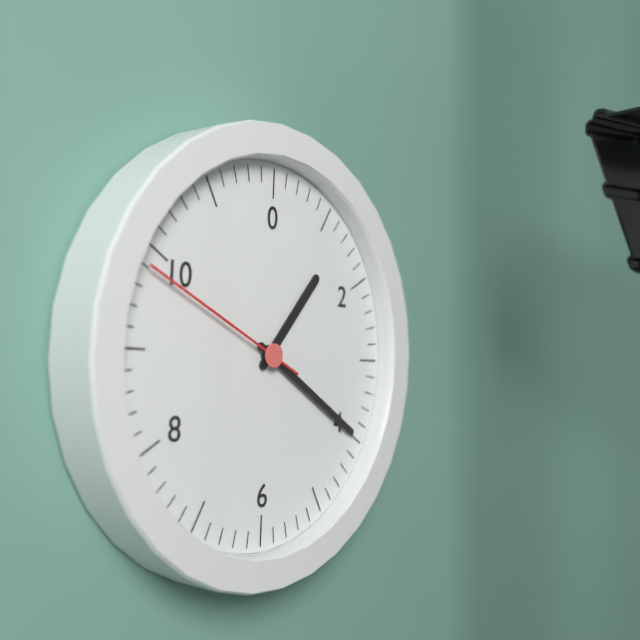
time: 1:20:49
